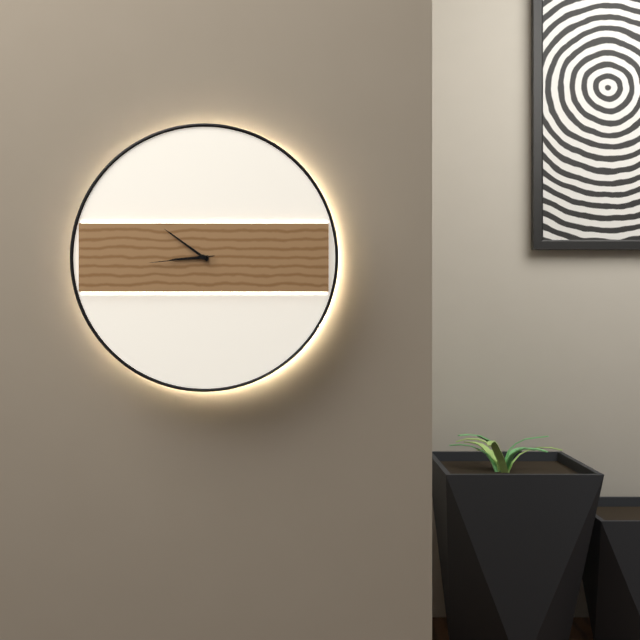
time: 8:51:44
